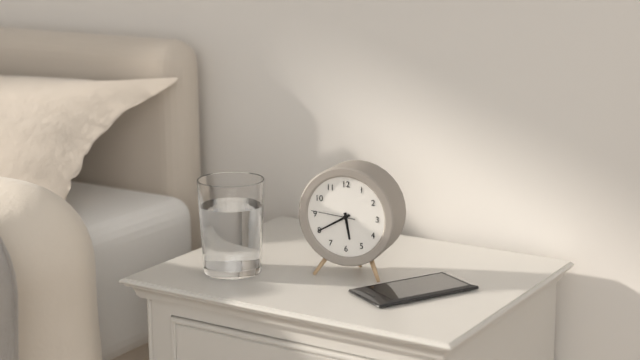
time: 5:40:46
